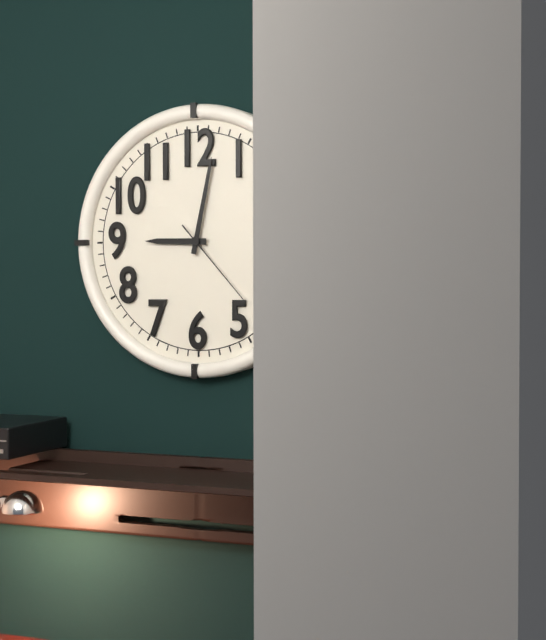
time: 9:02:23
